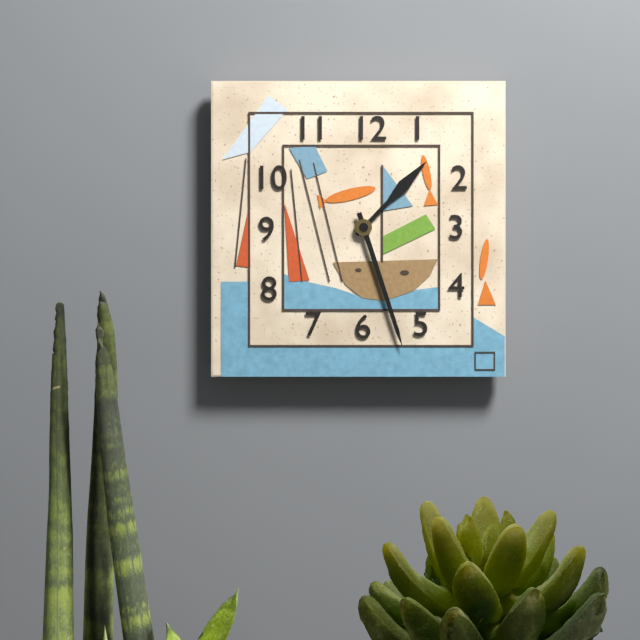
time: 1:27
